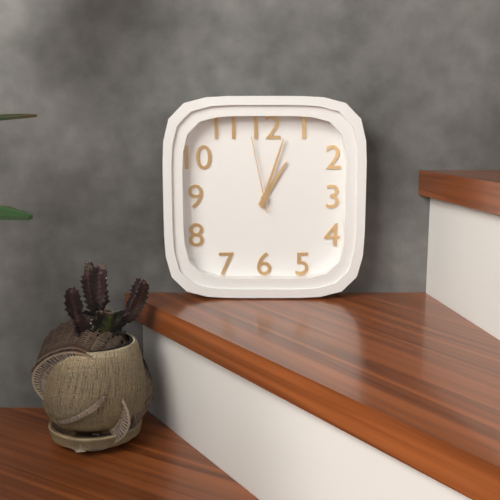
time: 1:03:58
